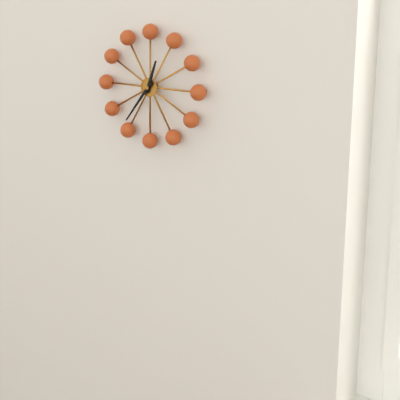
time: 12:36
